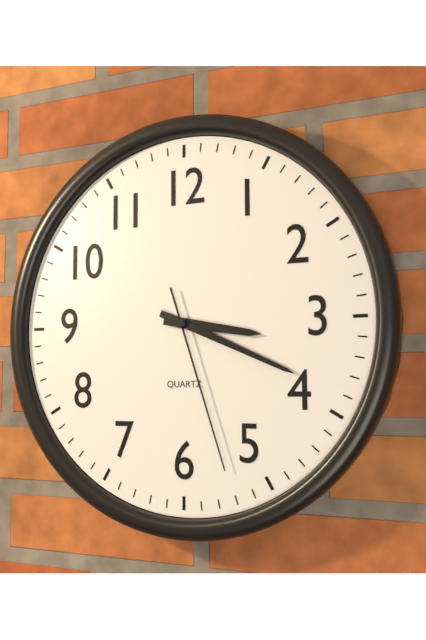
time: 3:19:27
